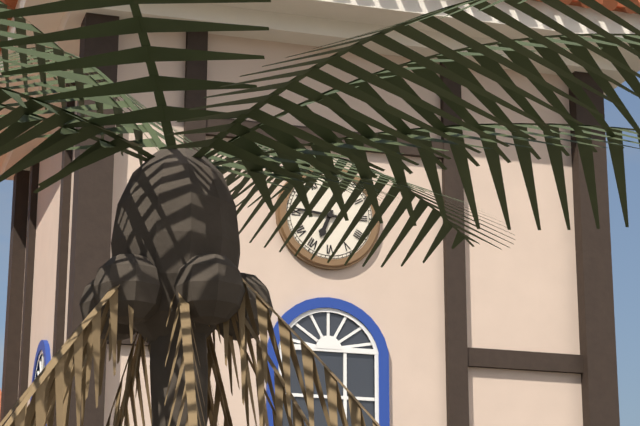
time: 6:46
